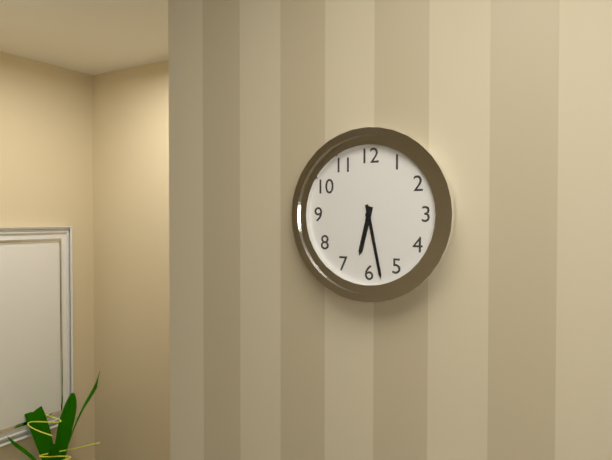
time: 6:28
